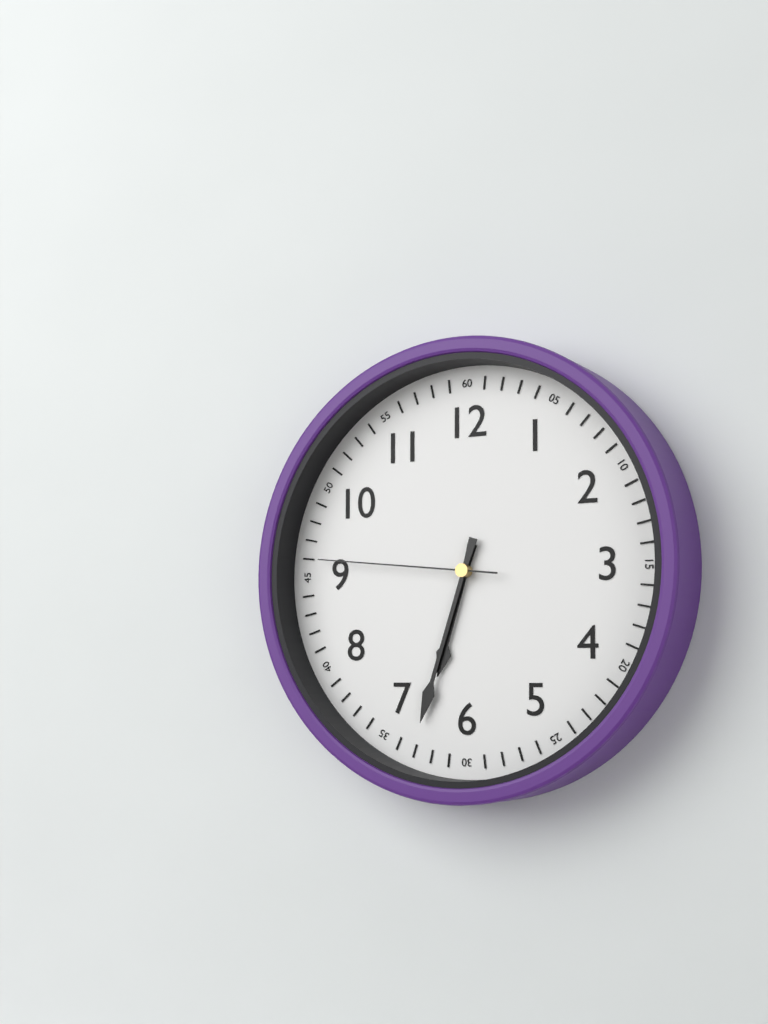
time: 6:33:46
